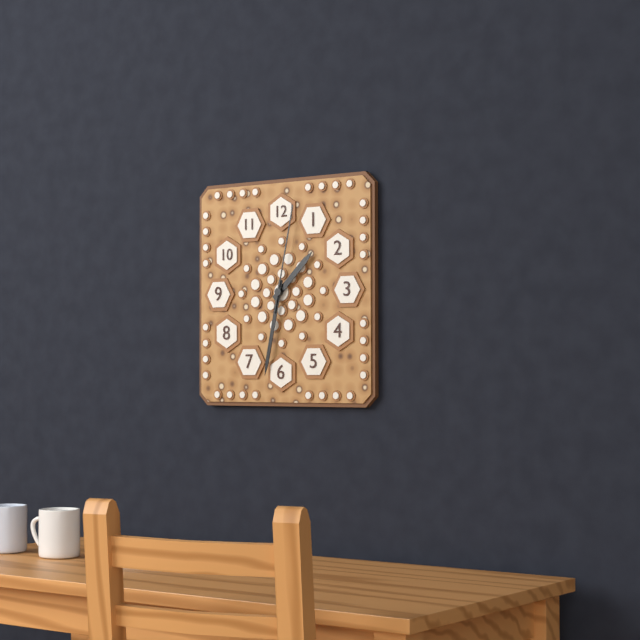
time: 1:32:02
